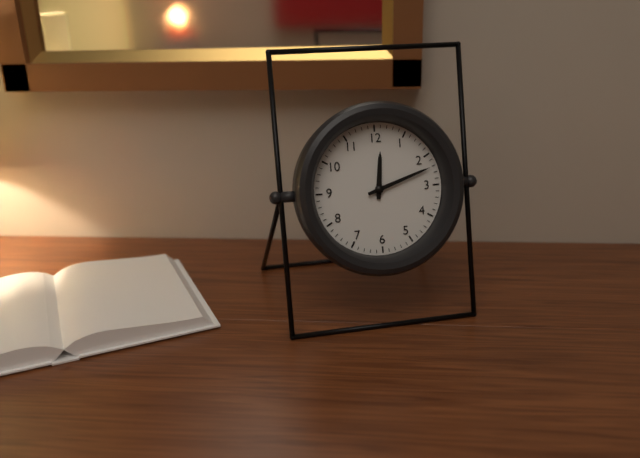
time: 12:12
